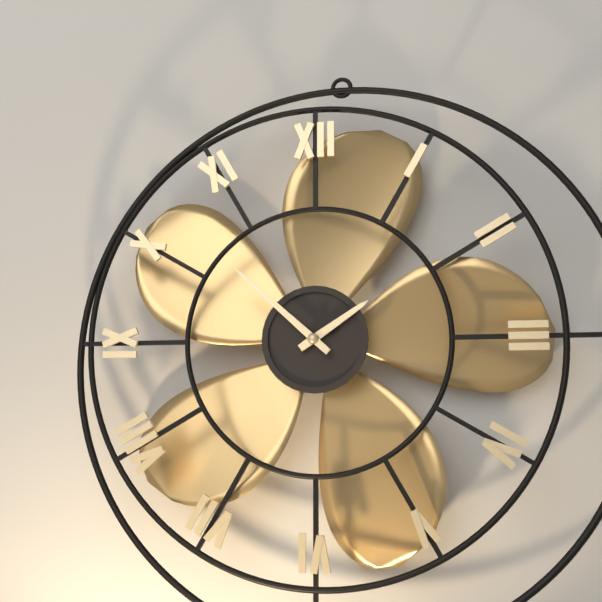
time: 1:52
